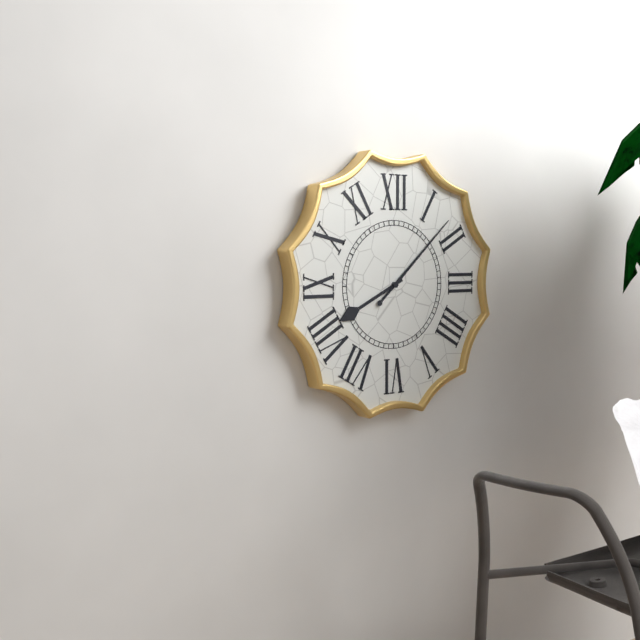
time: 8:08
